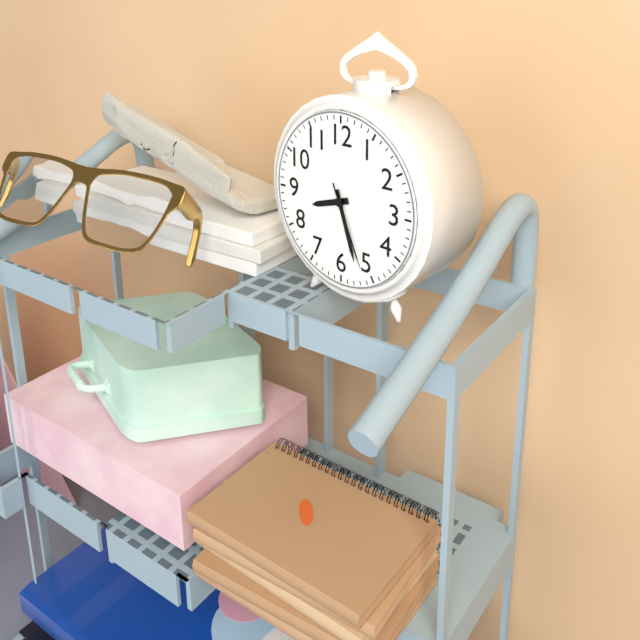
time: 8:27:26
